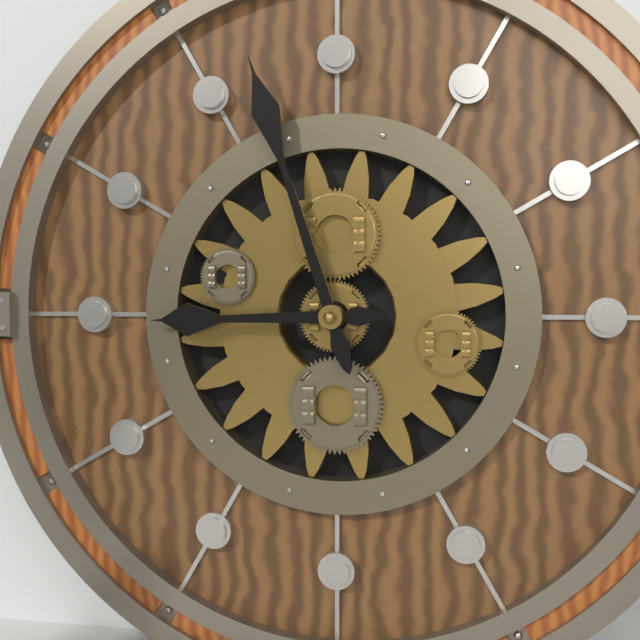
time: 8:57
